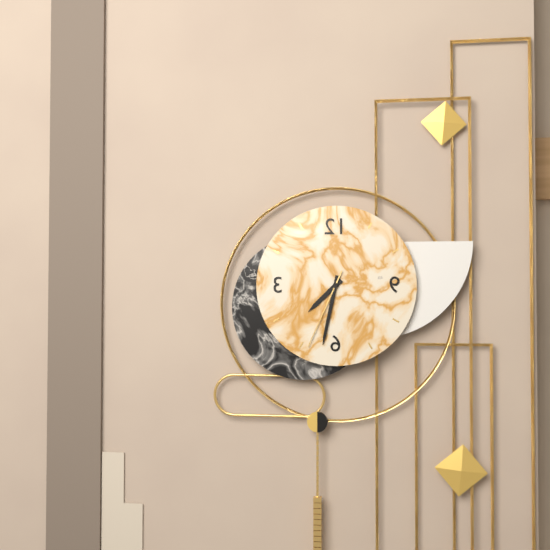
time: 7:32:34
